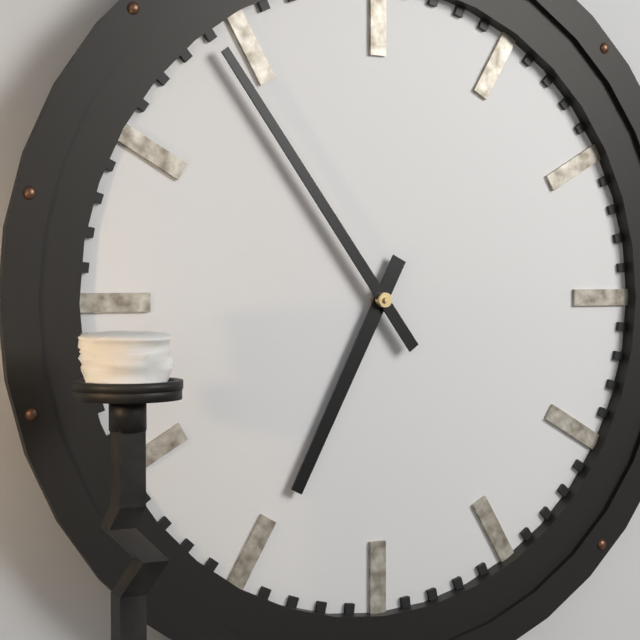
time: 6:54
